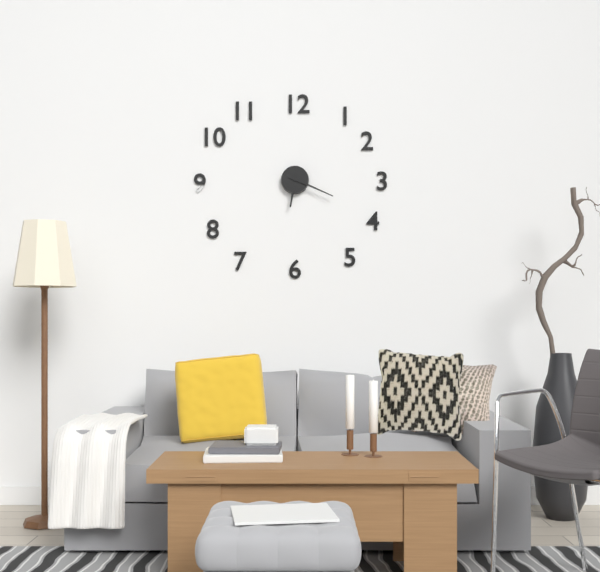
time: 6:19
